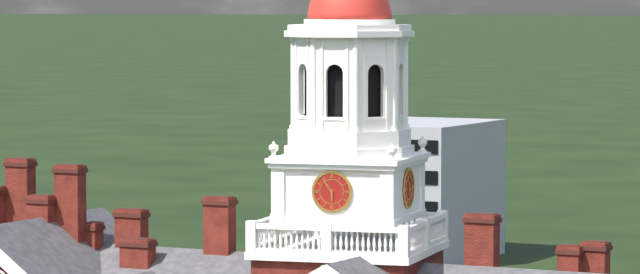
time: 5:54
